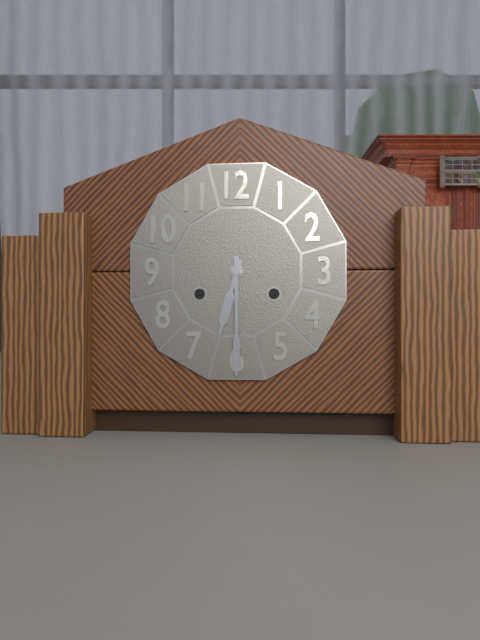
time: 6:30
